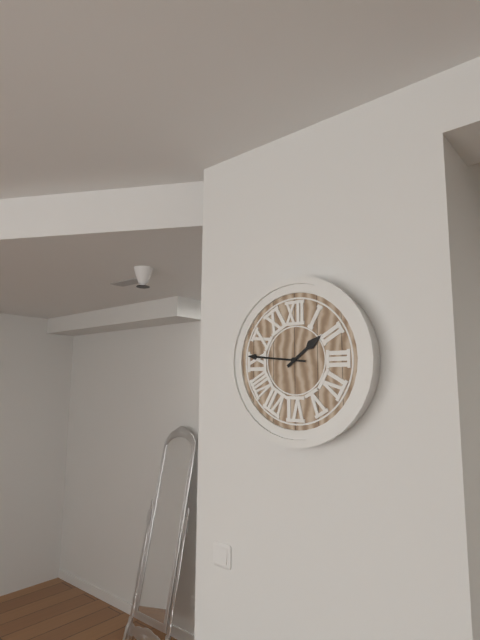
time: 1:46
